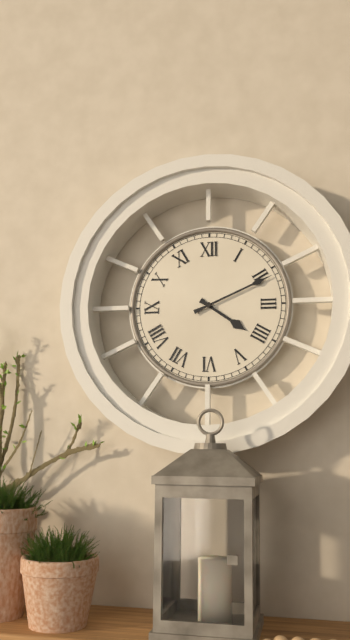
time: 4:11
